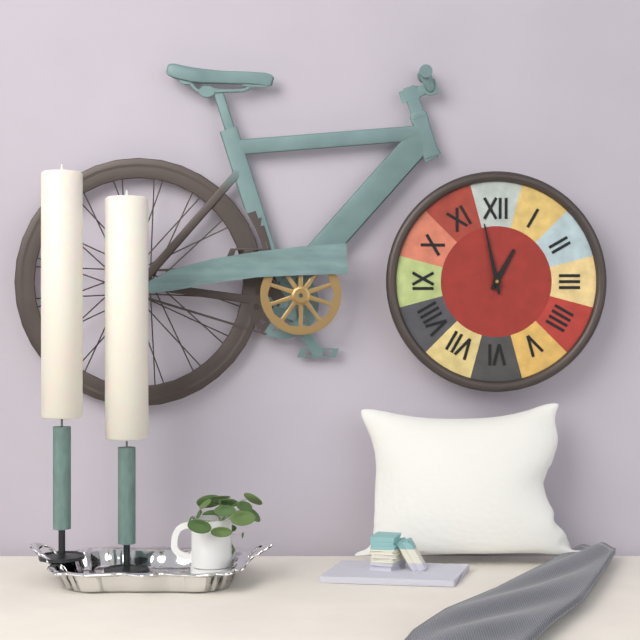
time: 12:58
